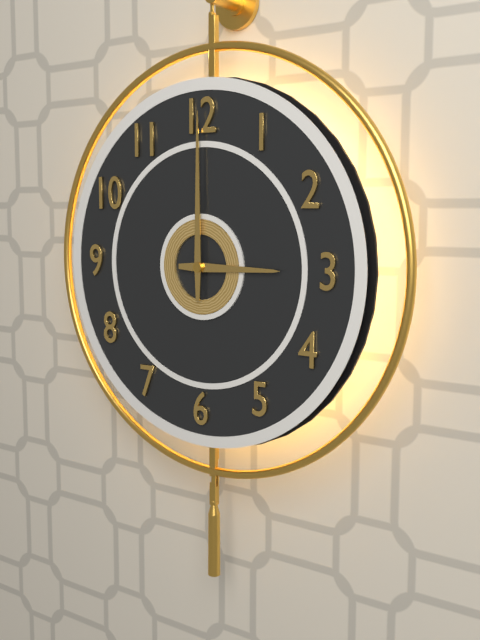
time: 3:00
